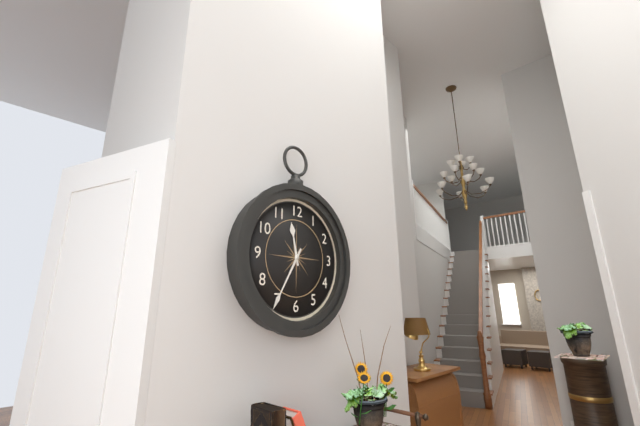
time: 11:35
